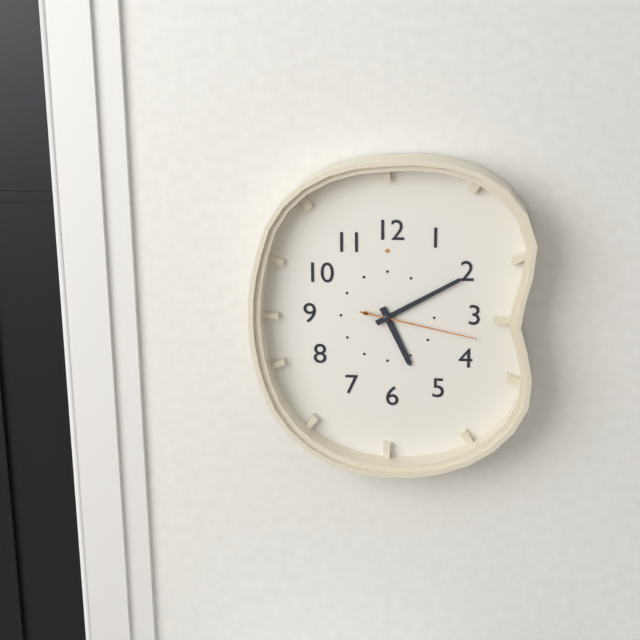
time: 5:10:17
